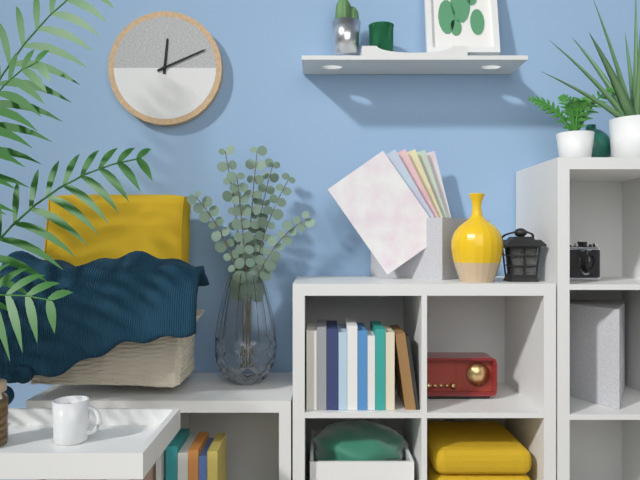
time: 12:11
